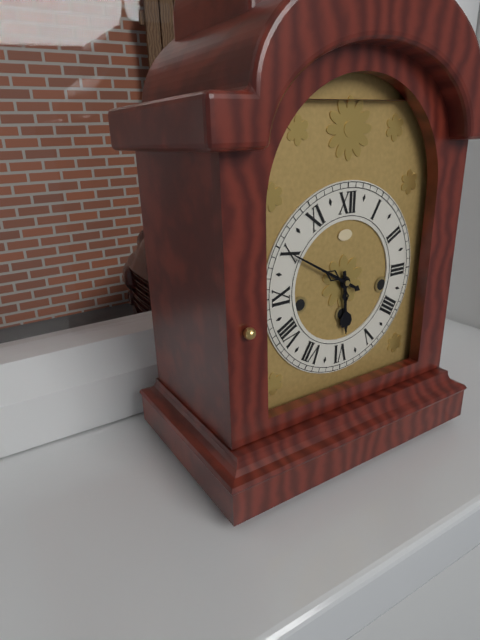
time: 5:50
